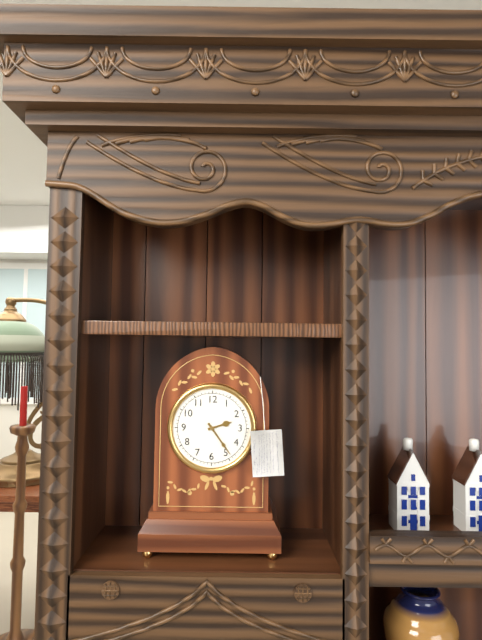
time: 2:24
